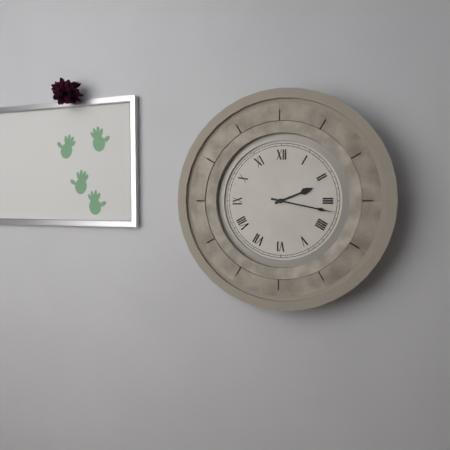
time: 2:17
